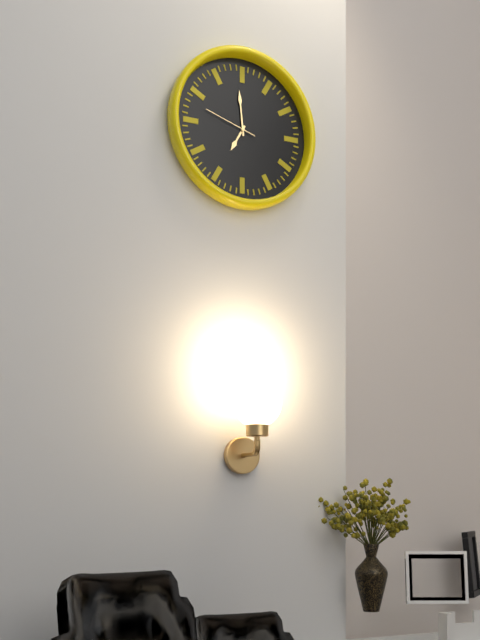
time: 6:59:48
